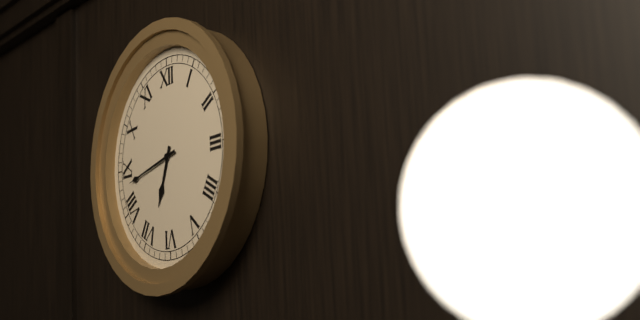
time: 6:43
